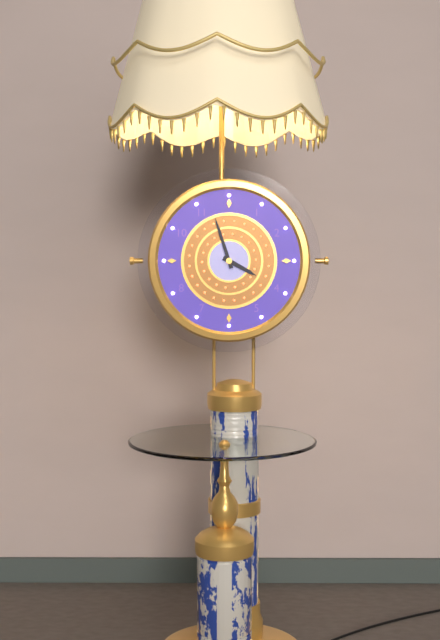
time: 3:57
